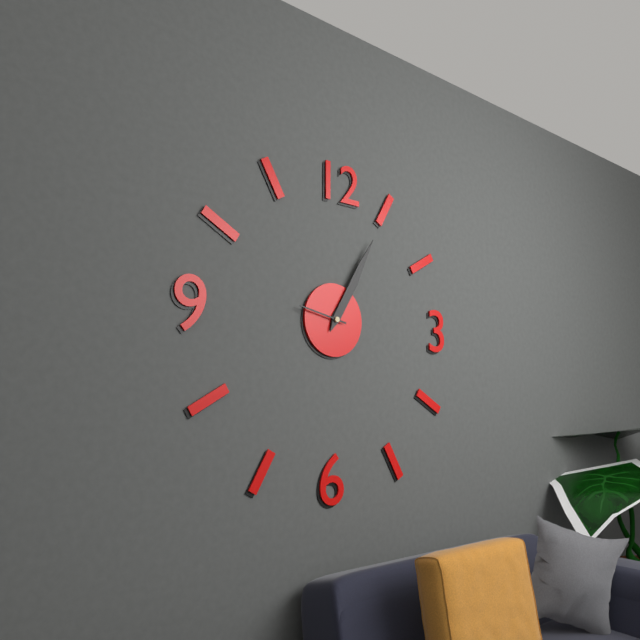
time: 1:05
